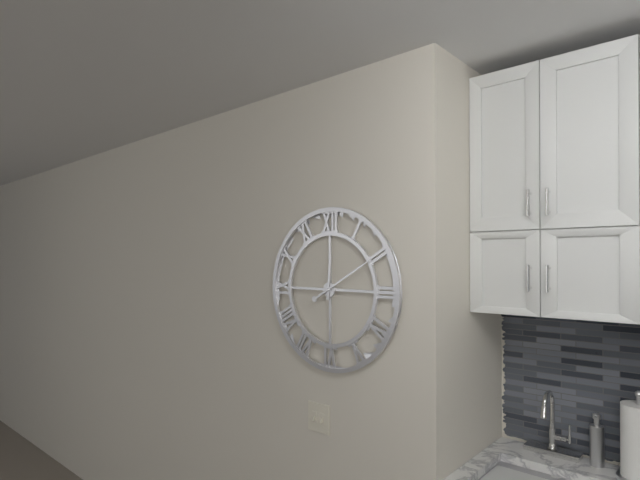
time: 12:10
